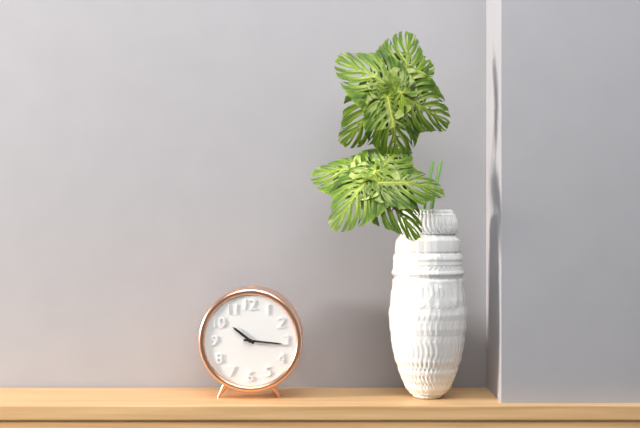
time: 10:16
